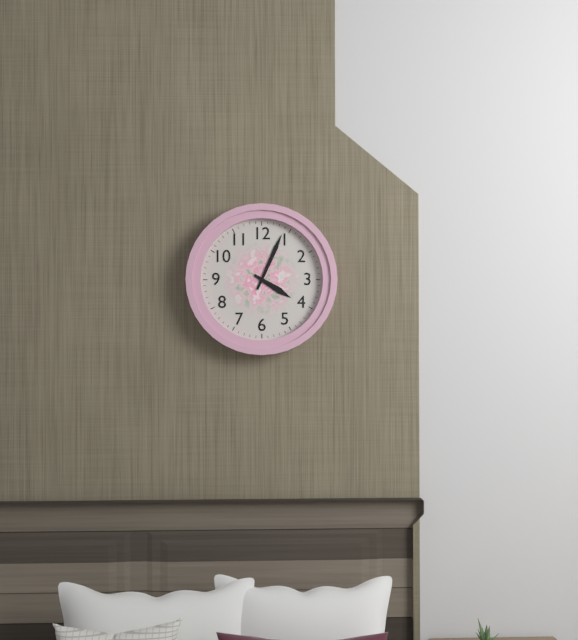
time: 4:04
